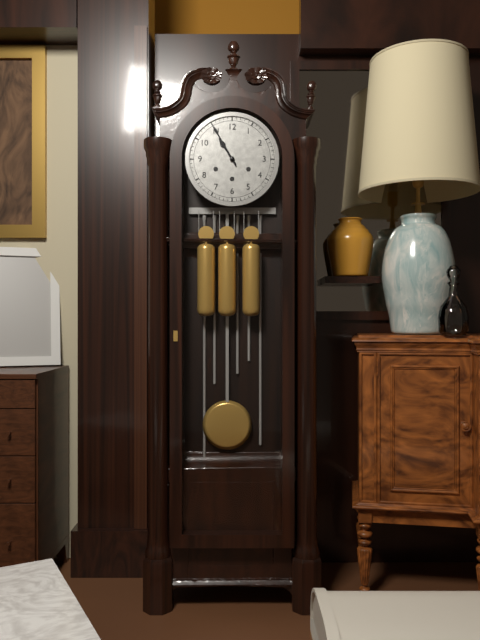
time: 10:55
